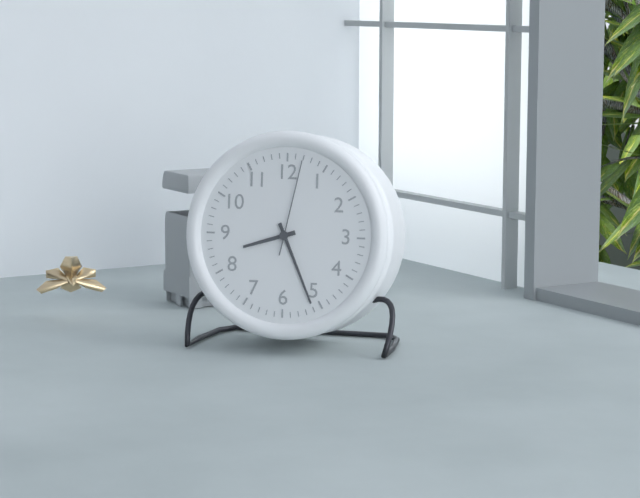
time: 8:26:02
